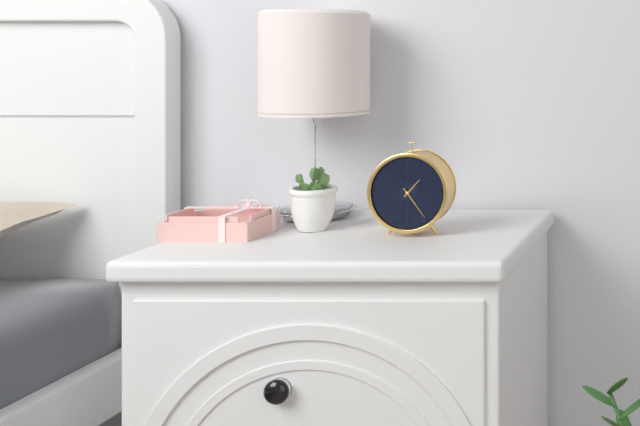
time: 1:24
